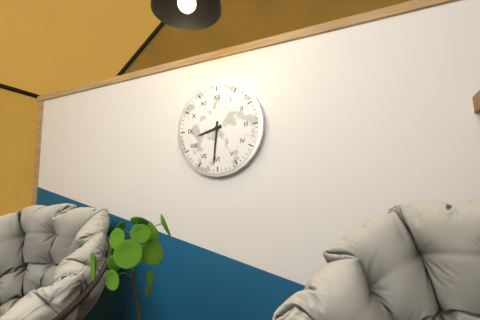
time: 8:31
